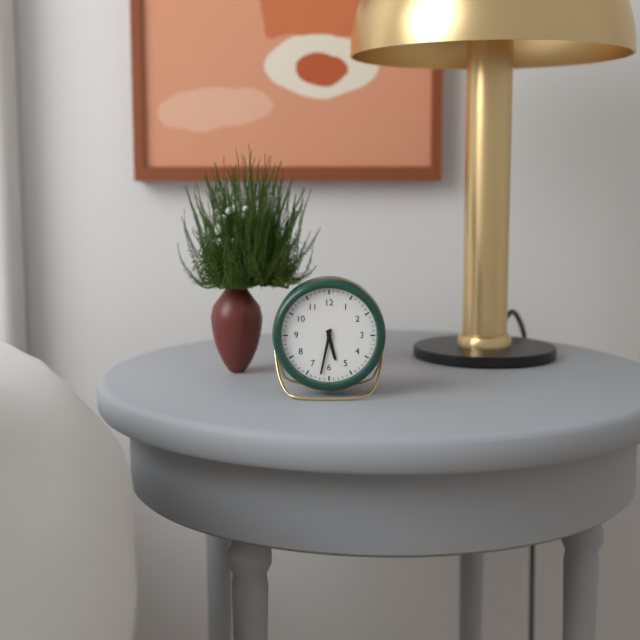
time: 5:32
